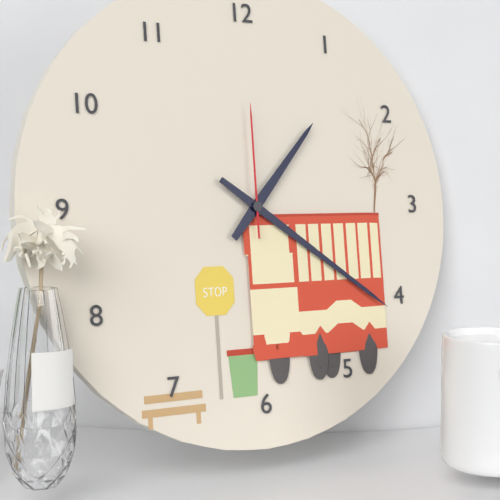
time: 1:21:00
